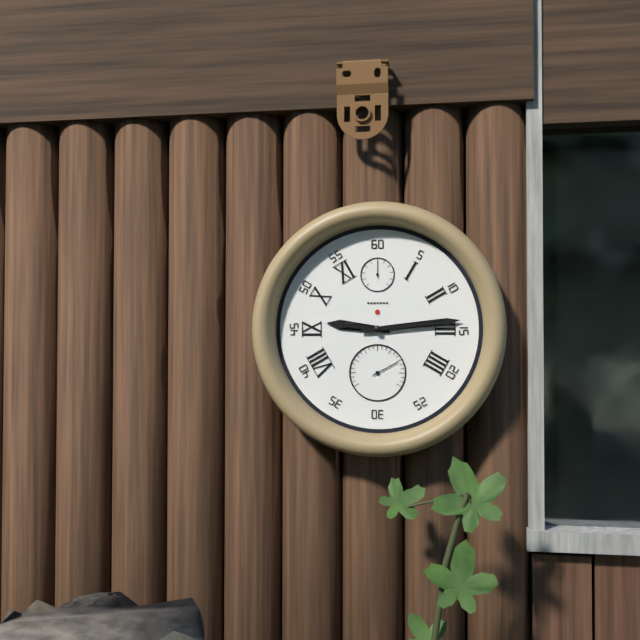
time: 9:14
